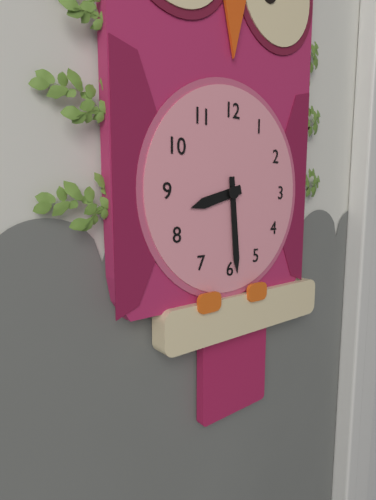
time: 8:29
